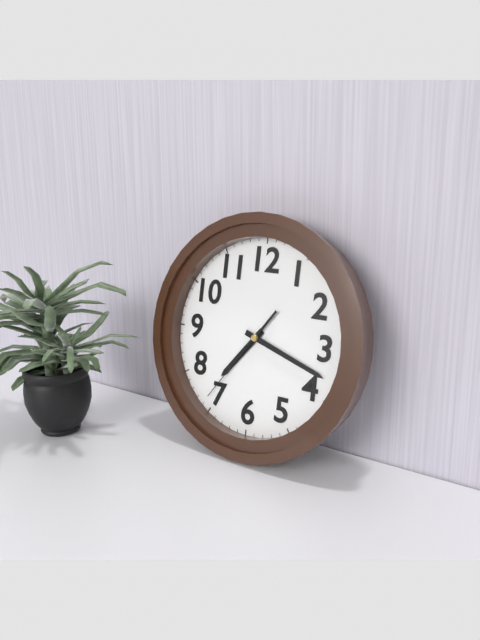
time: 7:18:36
